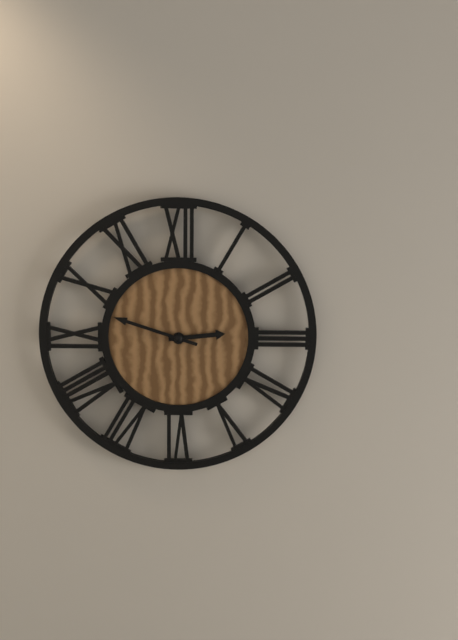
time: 2:48
